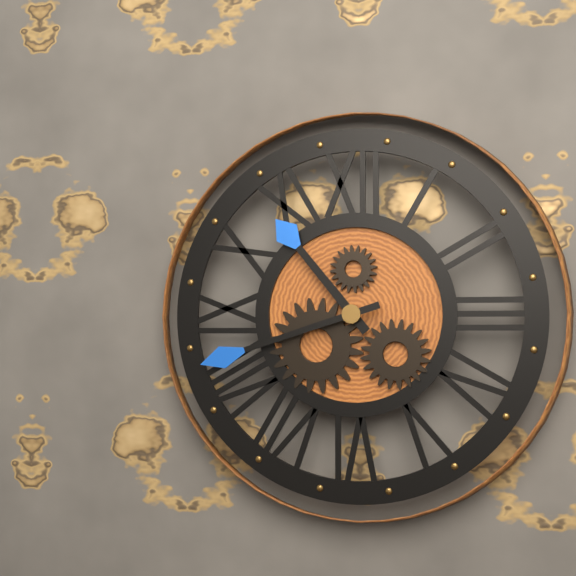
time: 10:42
